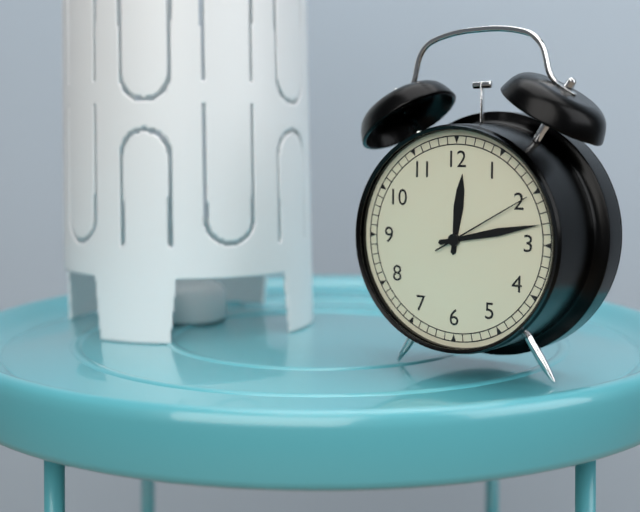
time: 12:13:10
